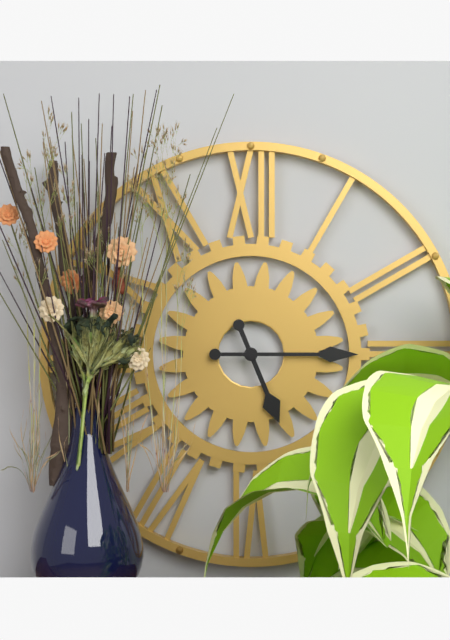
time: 5:15
